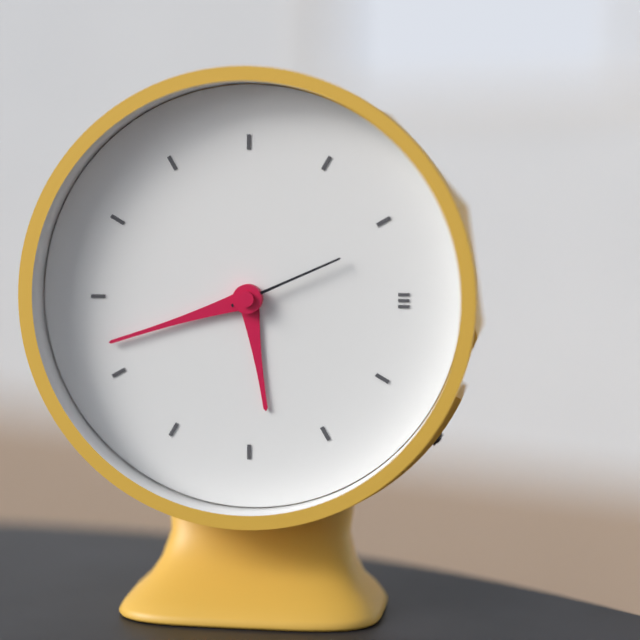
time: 5:42:11
